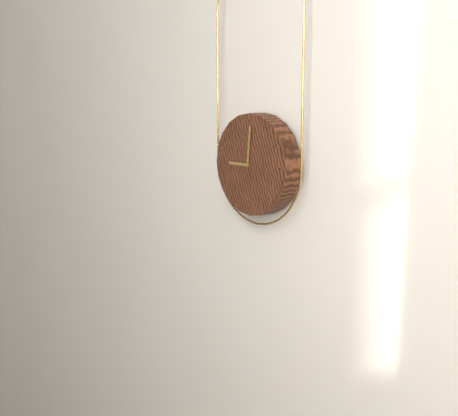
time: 9:01
